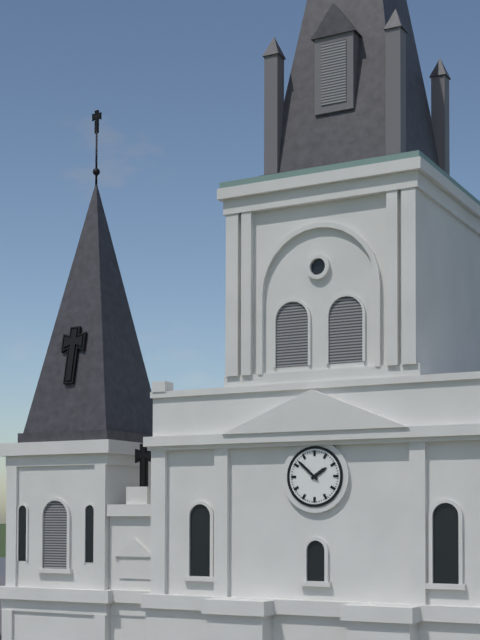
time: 1:52
